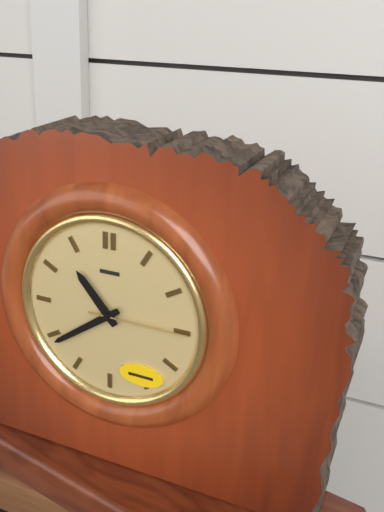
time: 10:39:15
